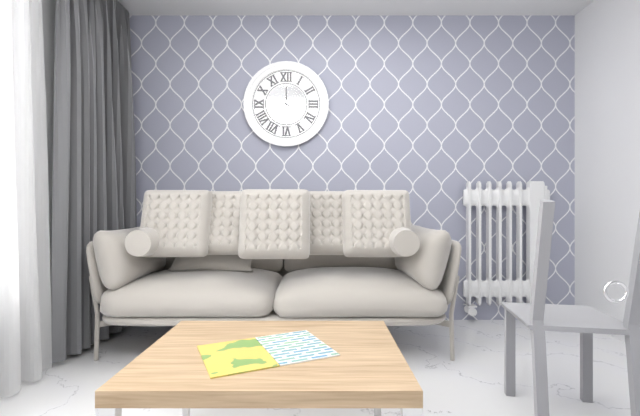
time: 4:00
